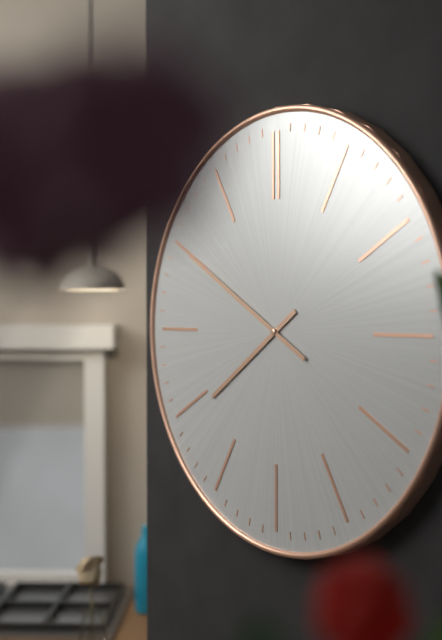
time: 7:50
